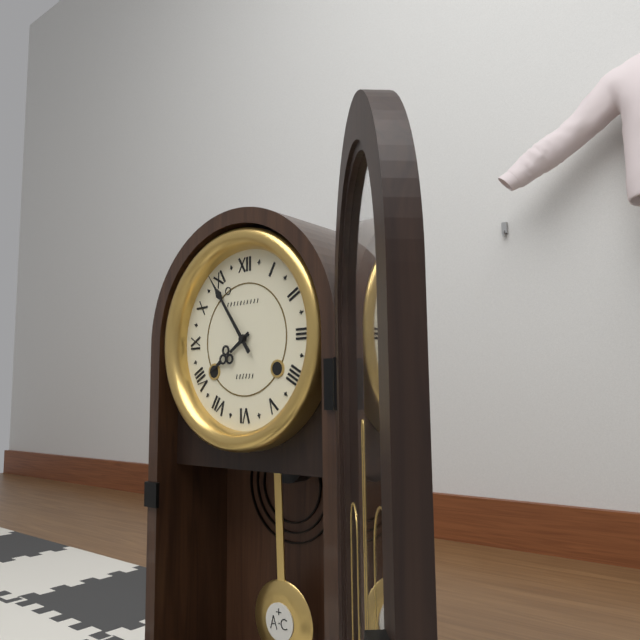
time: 7:54
